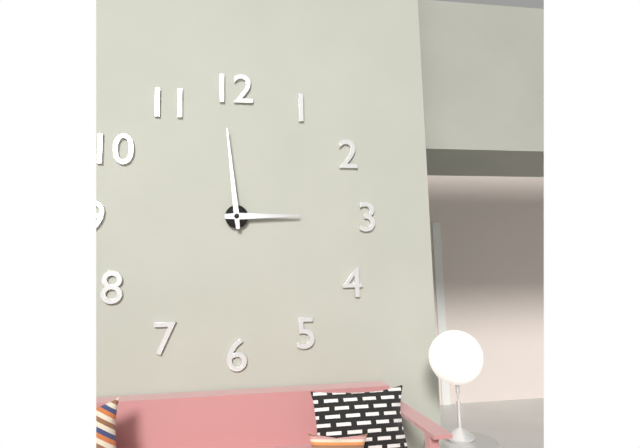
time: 2:59
